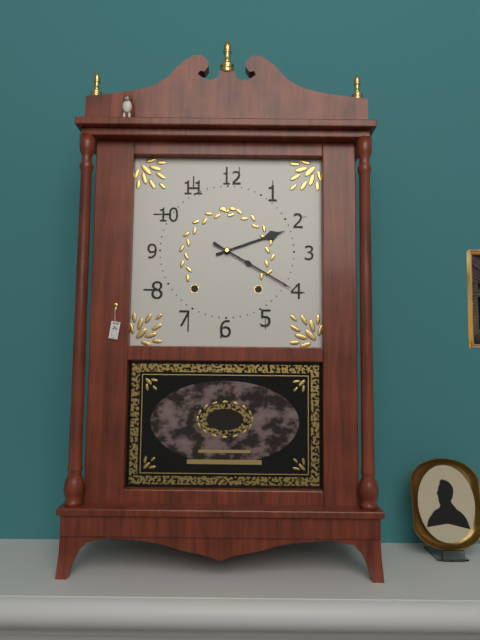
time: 2:20
